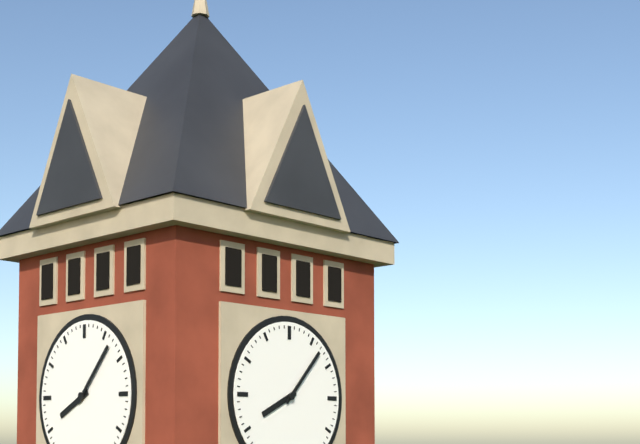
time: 8:07
